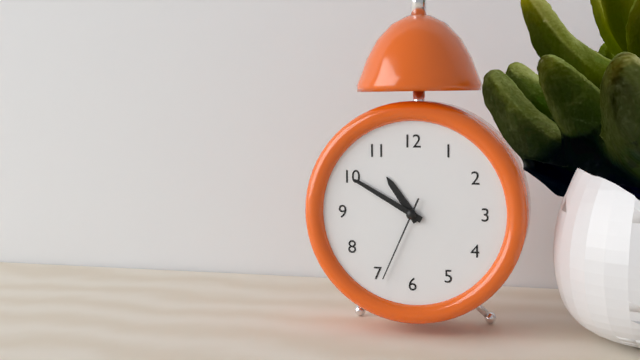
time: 10:50:34
